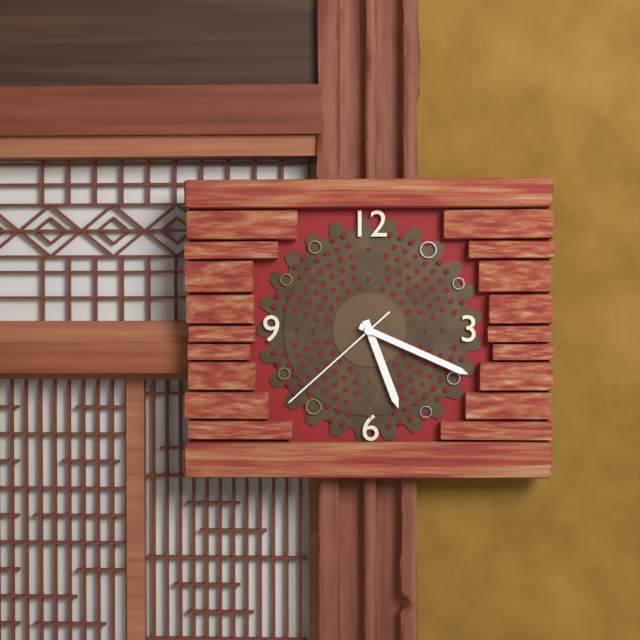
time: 5:19:38
